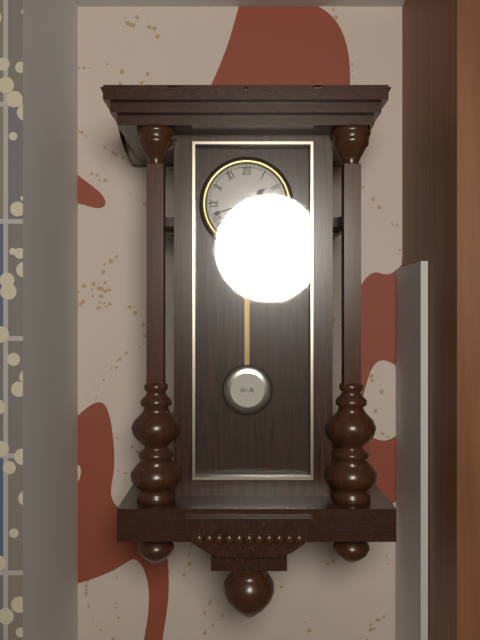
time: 1:42
